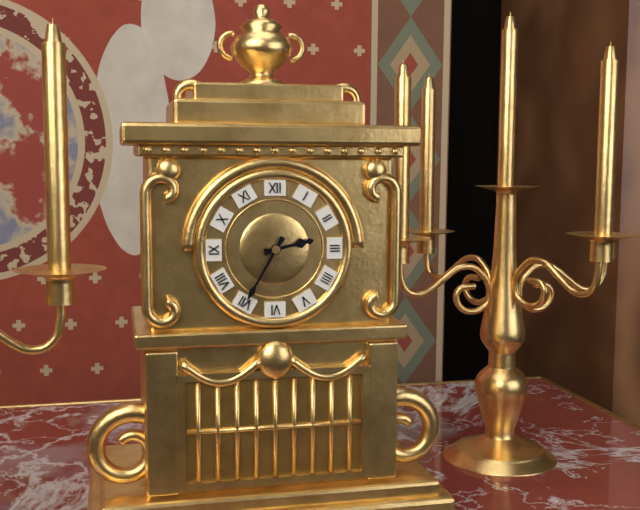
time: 2:35
